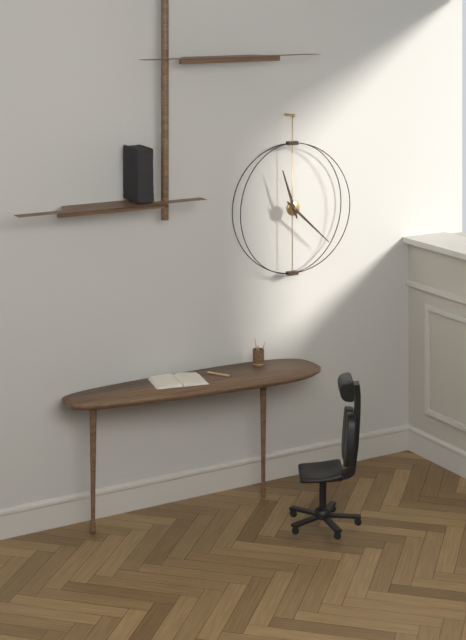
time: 11:22
